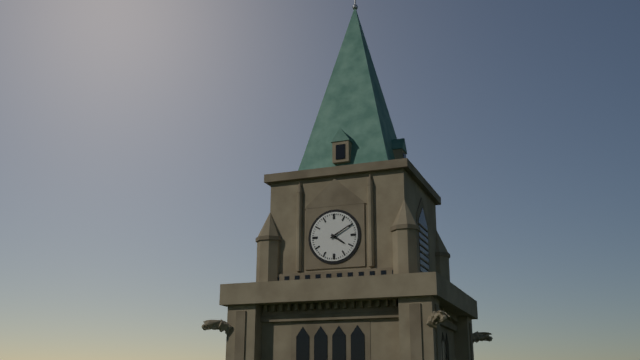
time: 4:10
